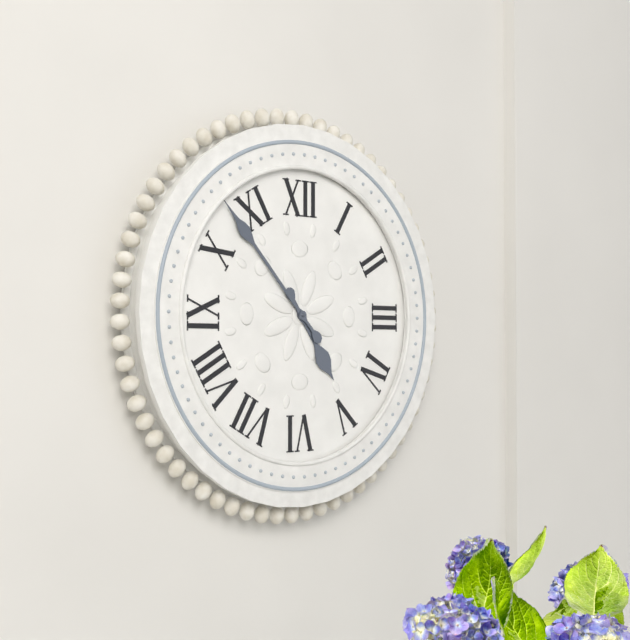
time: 4:53
